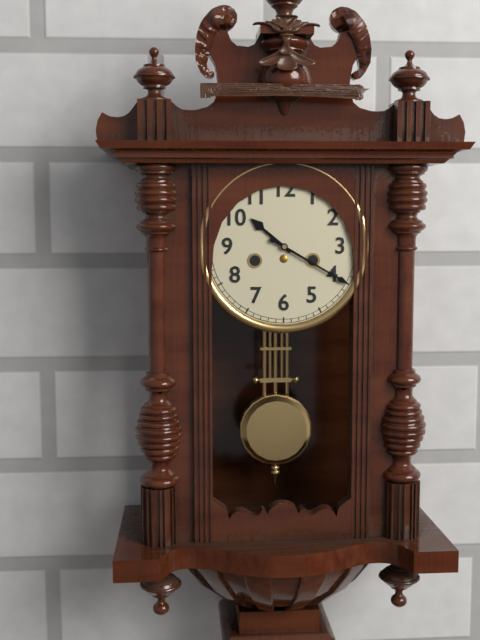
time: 10:20
